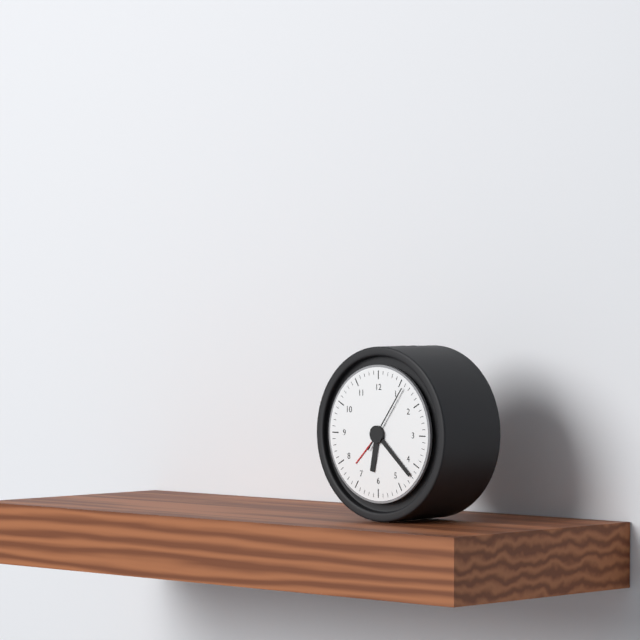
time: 6:22:06
